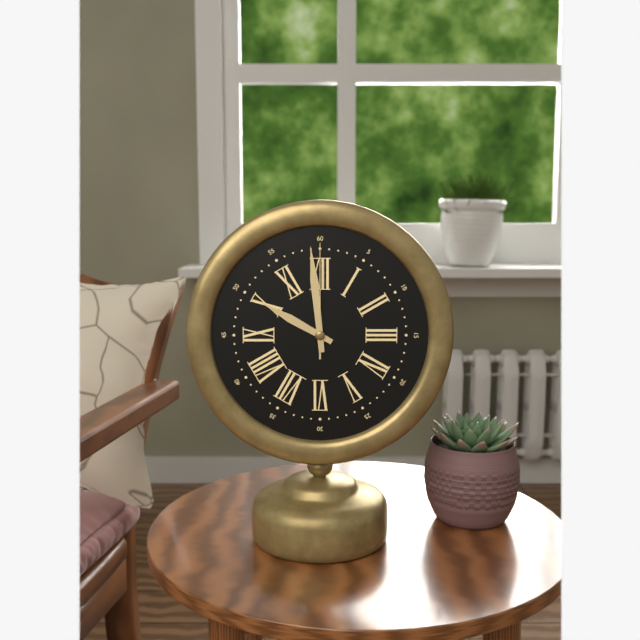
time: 9:59:00
